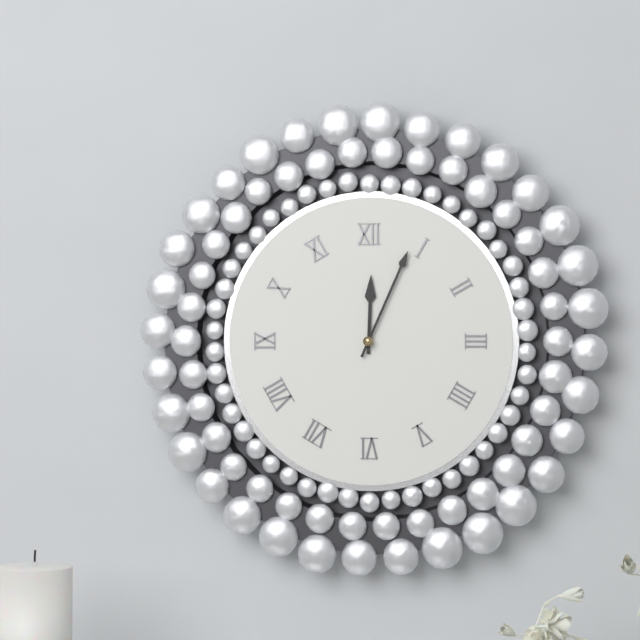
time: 12:04
